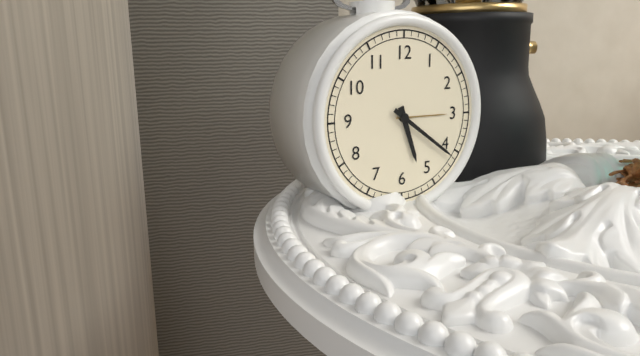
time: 5:21
